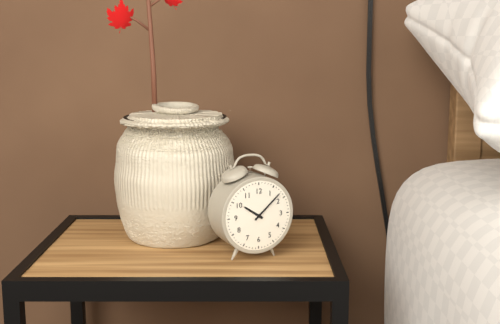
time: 10:08
